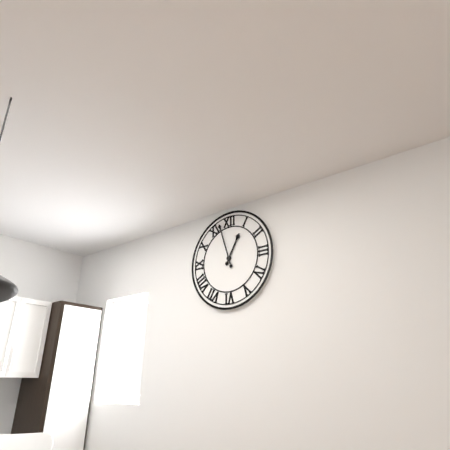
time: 12:57
